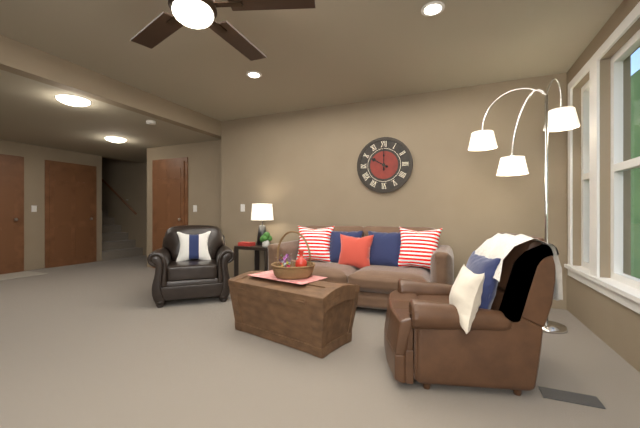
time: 10:00
